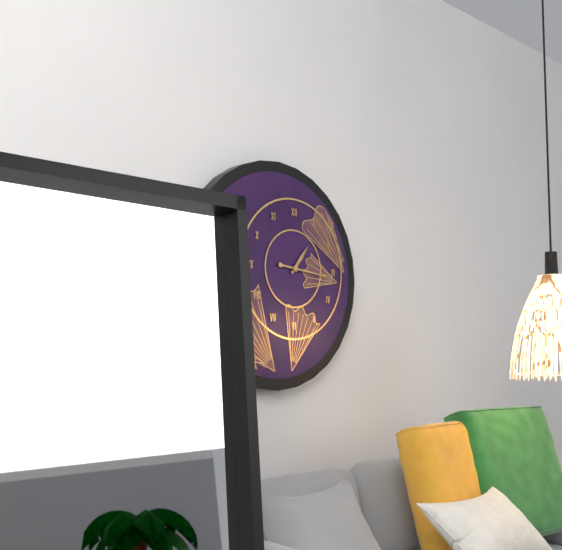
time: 1:16
